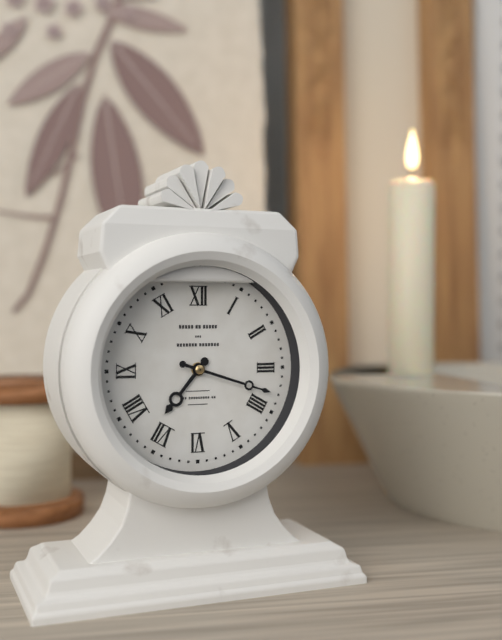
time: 7:18
